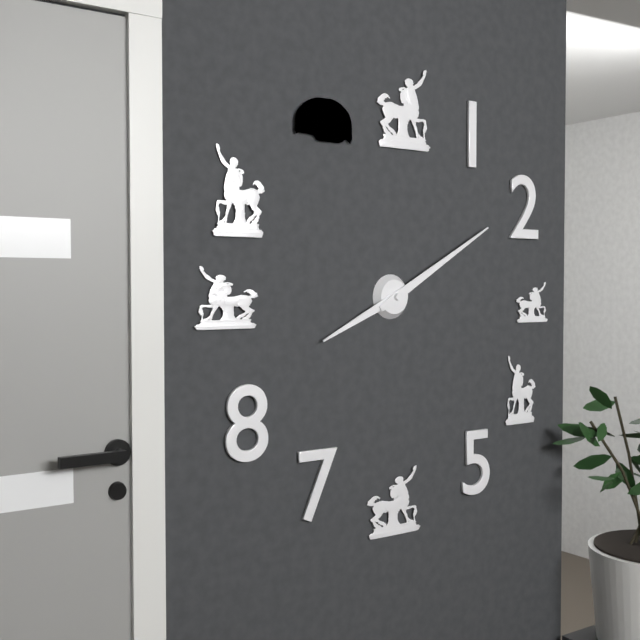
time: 8:10
